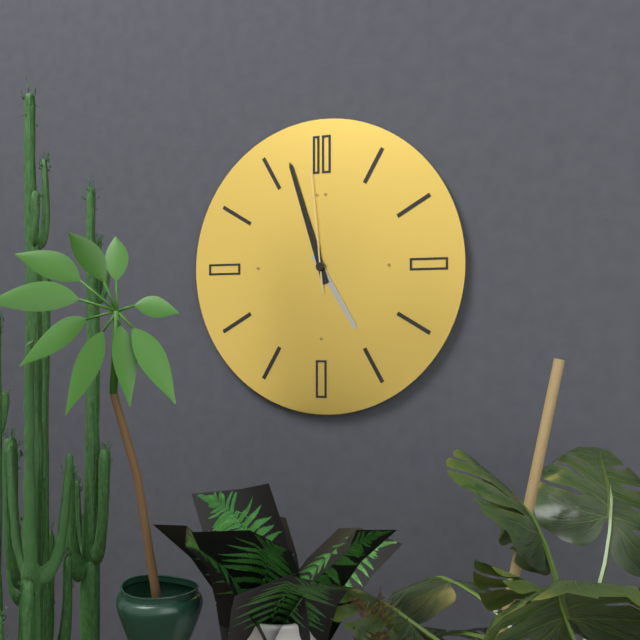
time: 4:57:59
